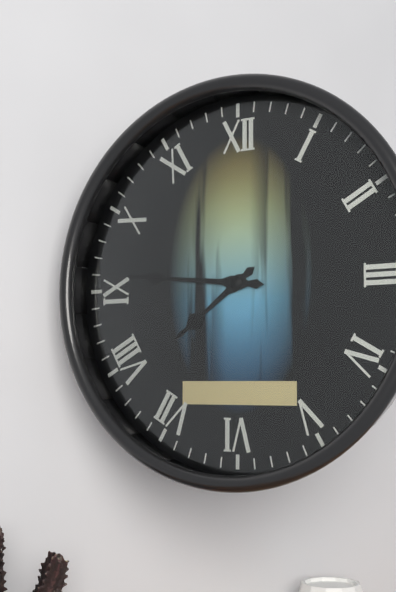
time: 7:46
